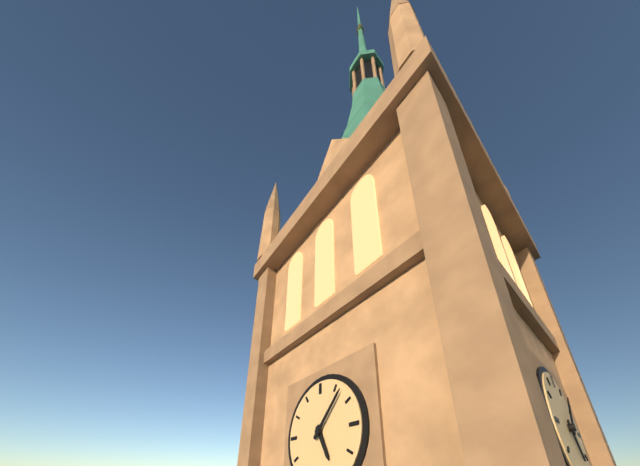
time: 5:07
